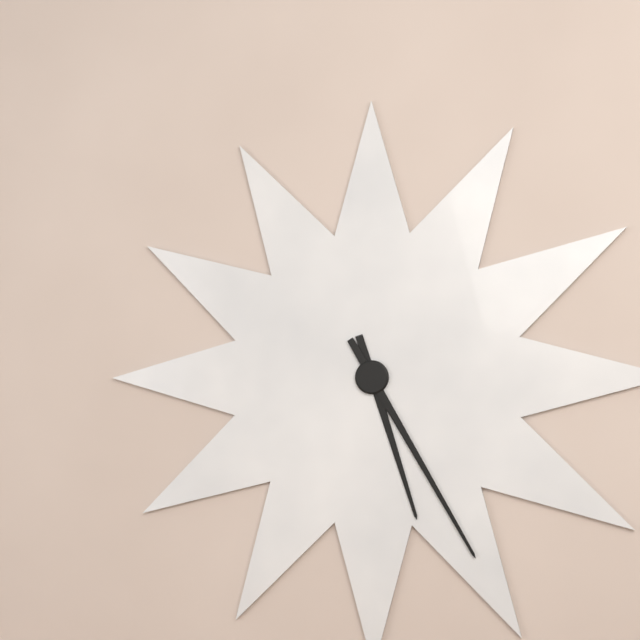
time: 5:25
